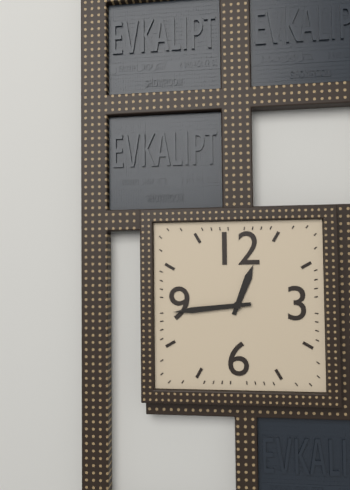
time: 12:44
